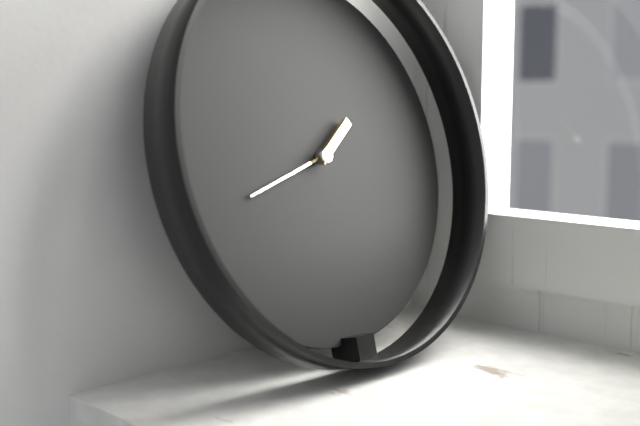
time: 1:42
